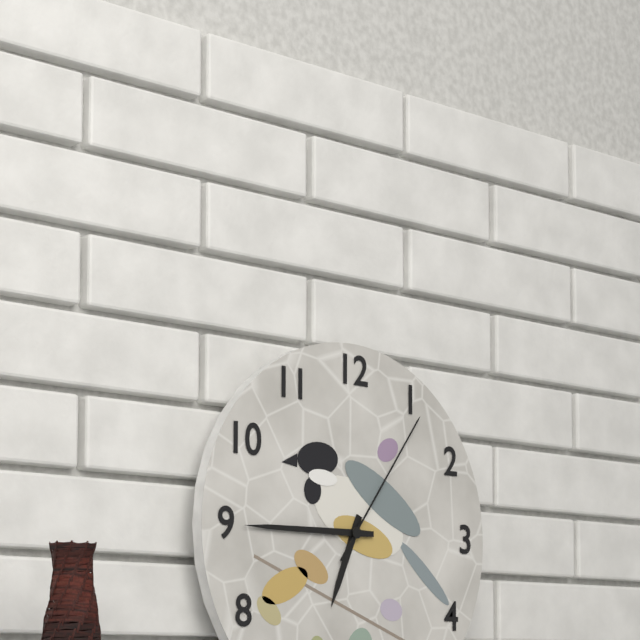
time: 6:45:06
